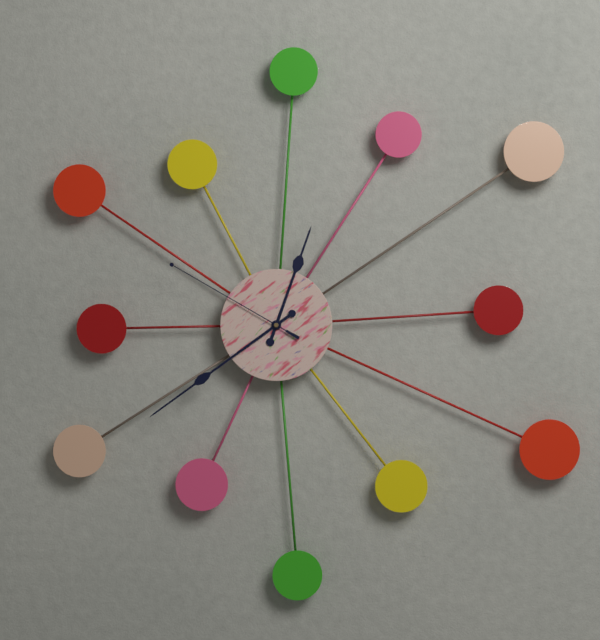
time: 12:39:50
